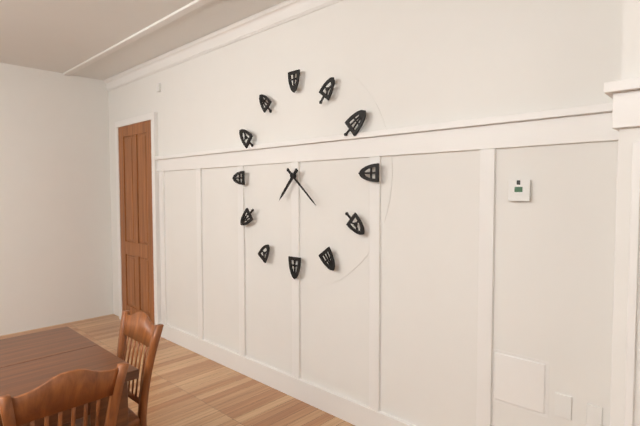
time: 7:22
